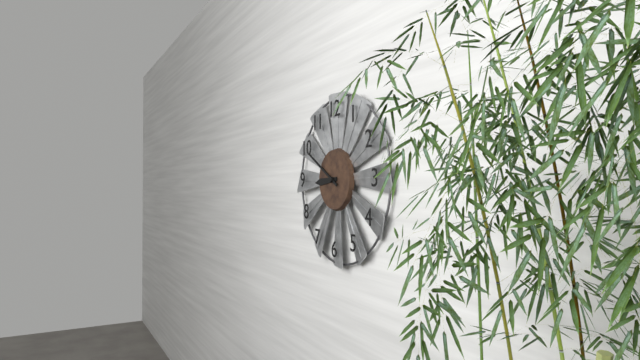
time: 8:50
